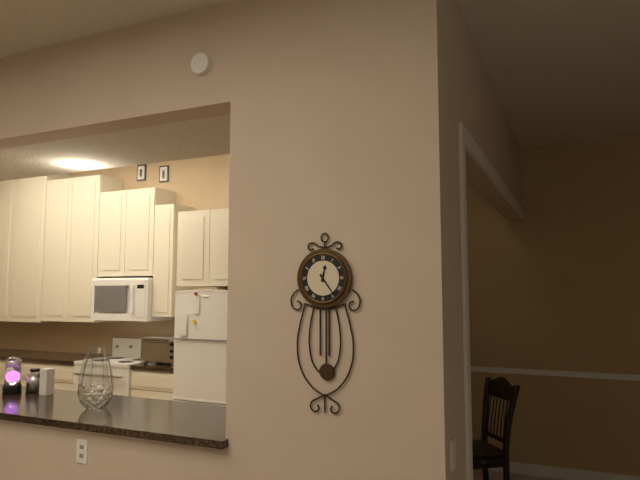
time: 12:24
